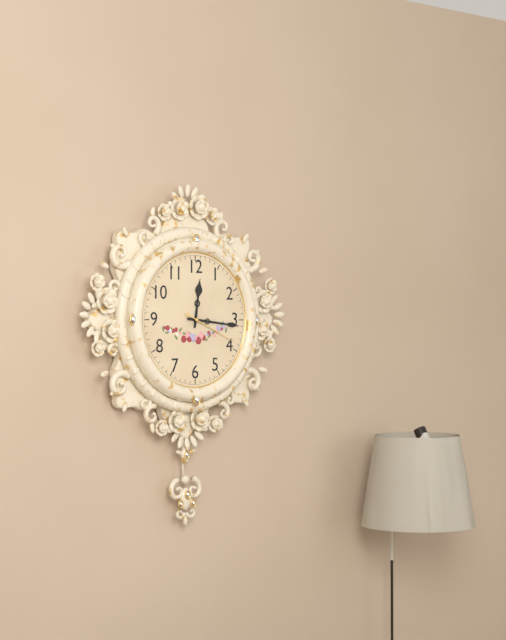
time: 12:16:19
